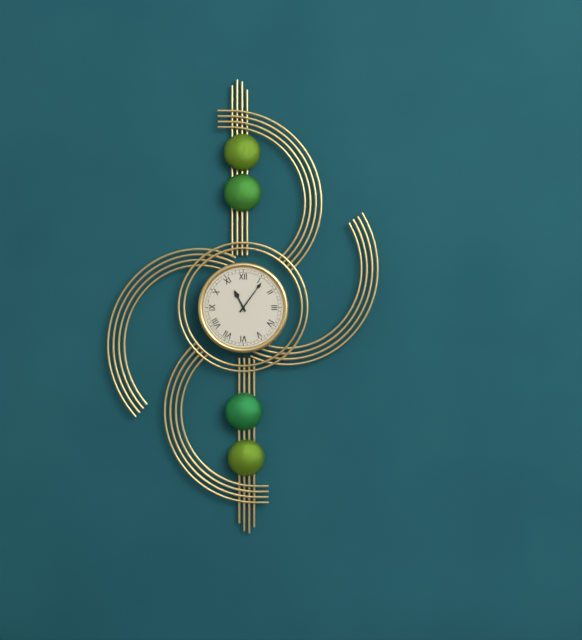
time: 11:06
